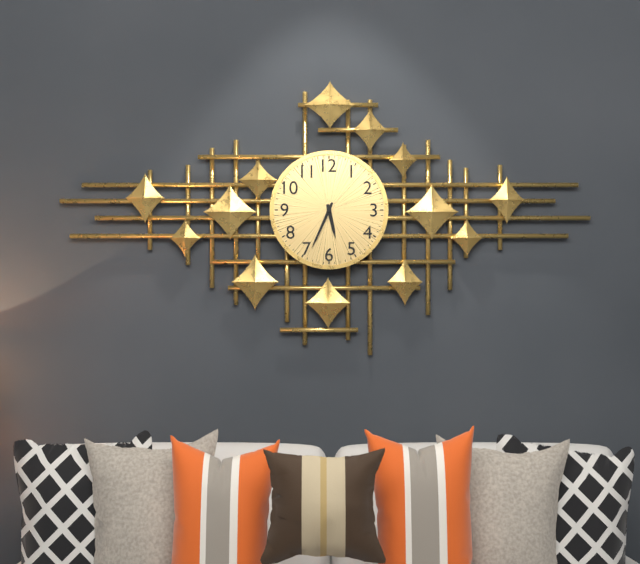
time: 5:34
